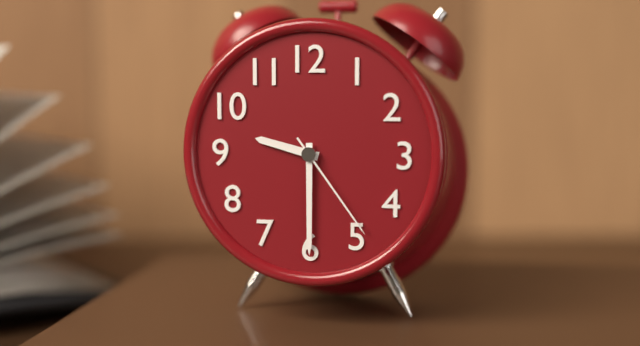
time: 9:30:24
